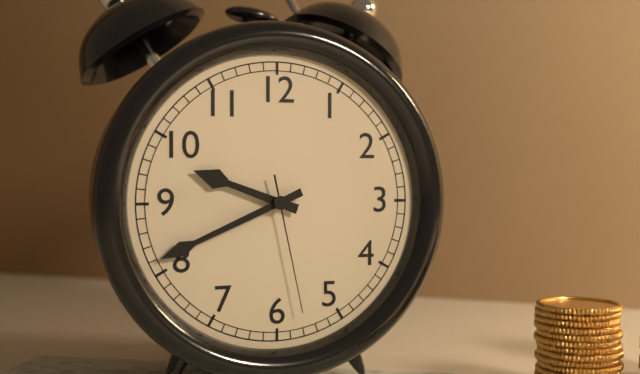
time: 9:41:28
